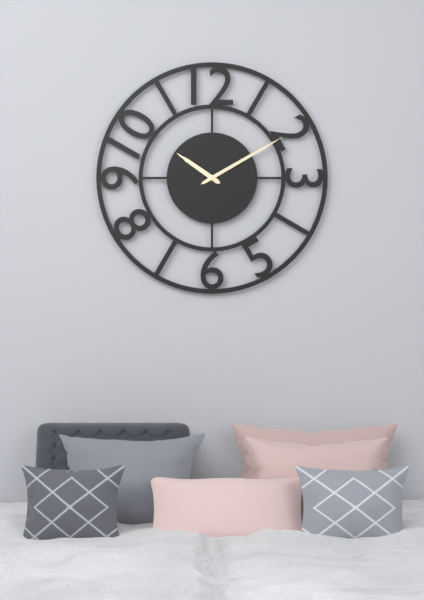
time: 10:10
